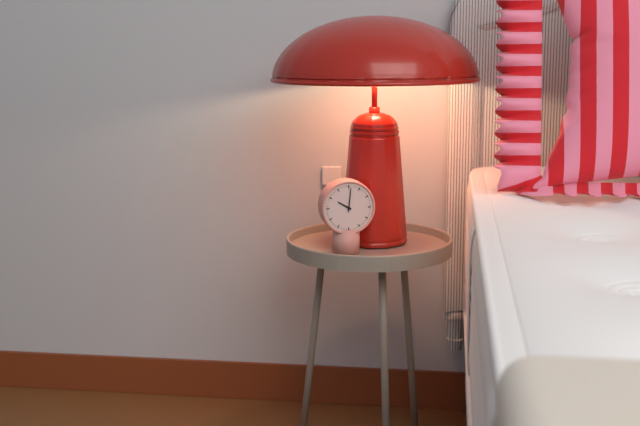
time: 10:01
